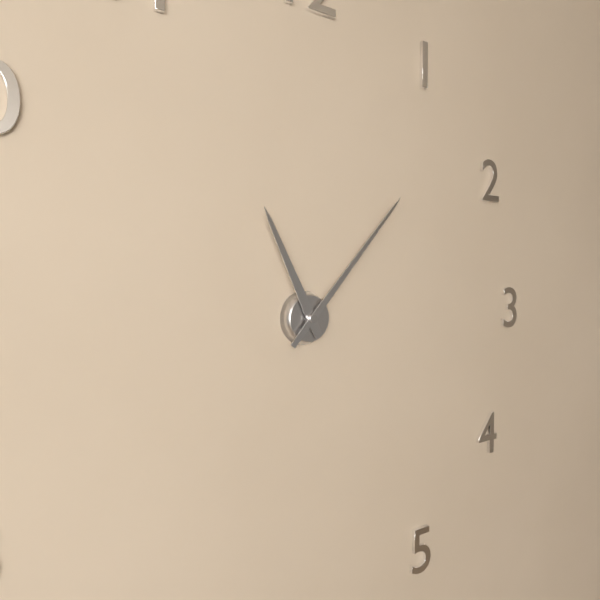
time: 11:07
